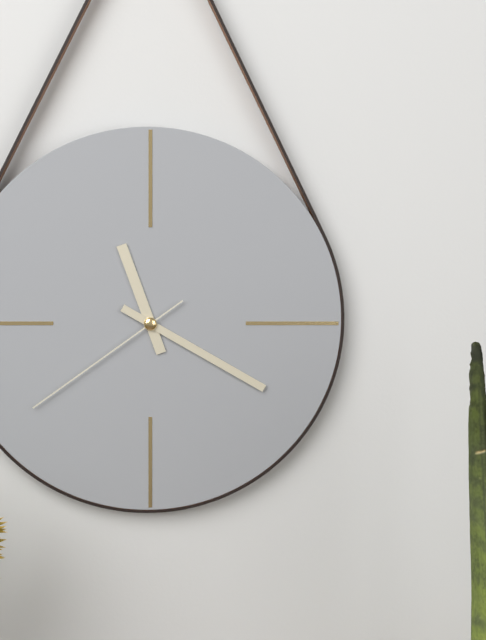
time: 11:20:39
